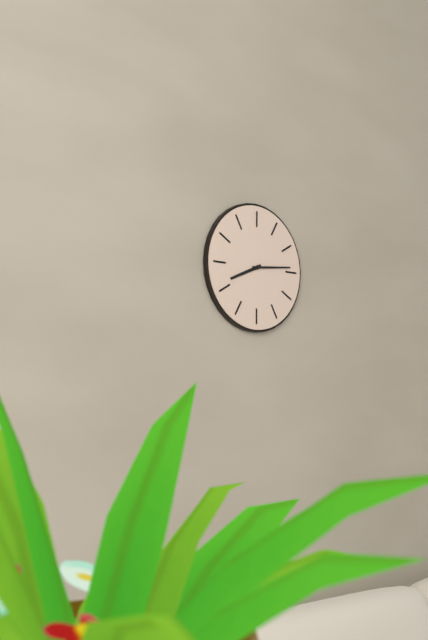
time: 8:14
